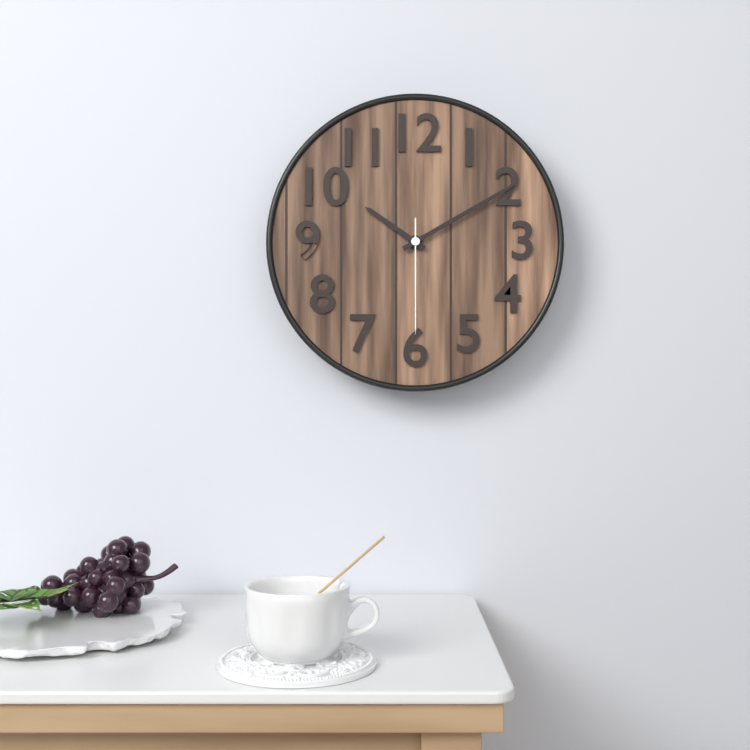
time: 10:10:30
